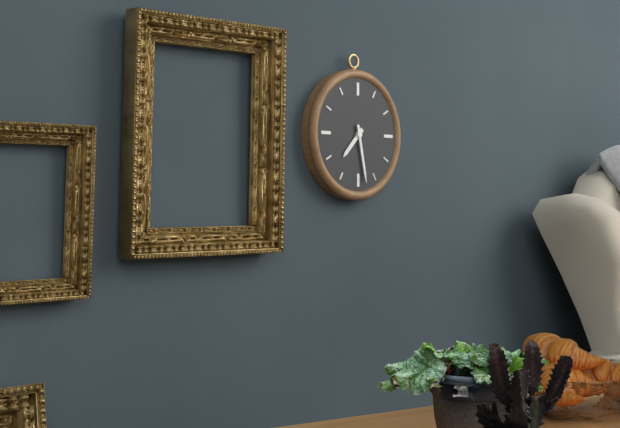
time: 7:28
